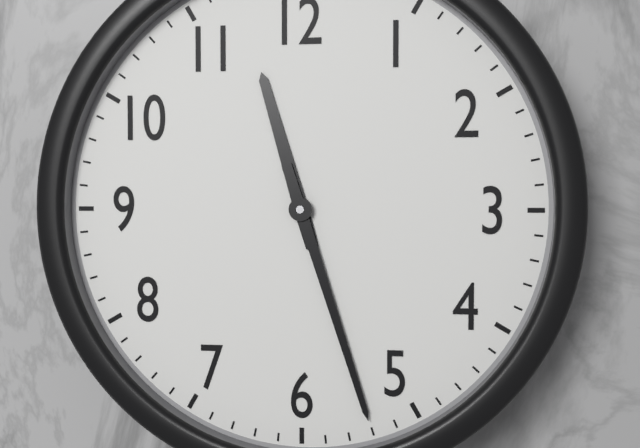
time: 11:27
